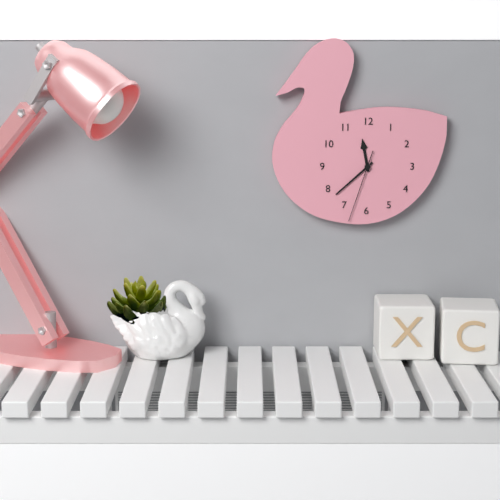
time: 11:38:33
